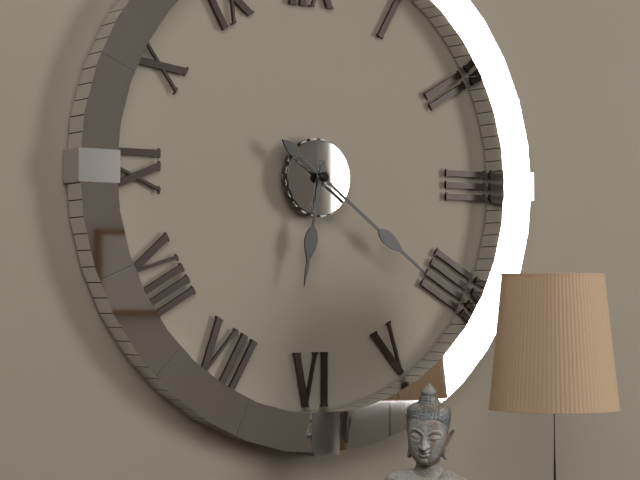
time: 6:21
